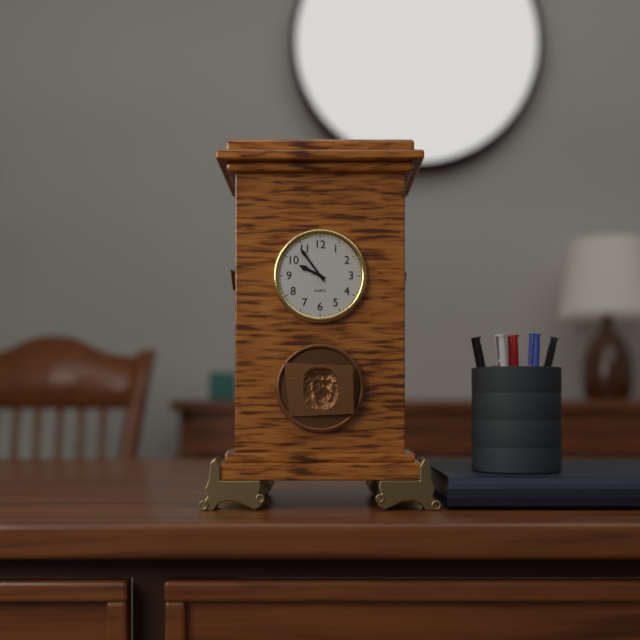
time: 9:54
